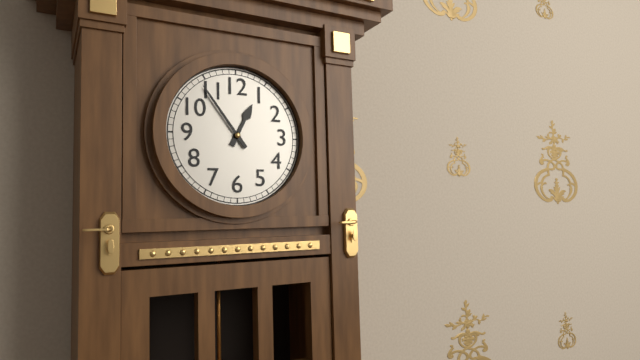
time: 12:54
